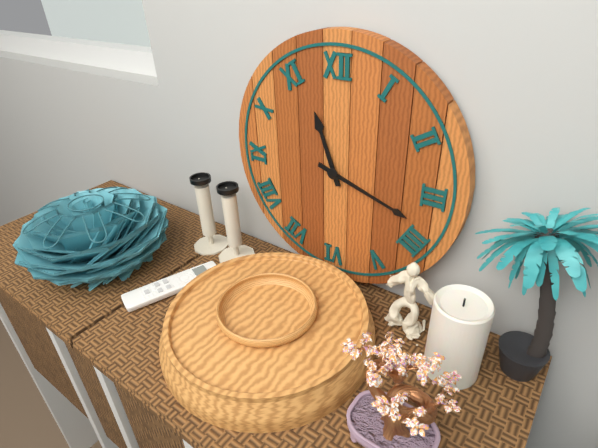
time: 11:18
